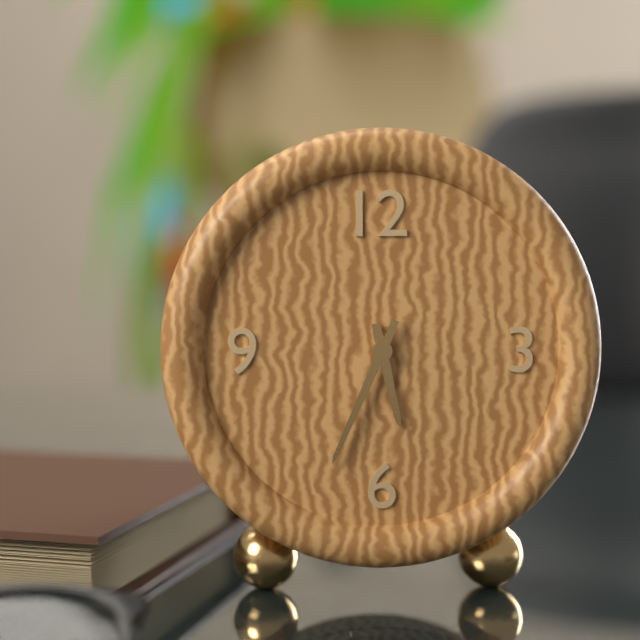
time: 5:34
